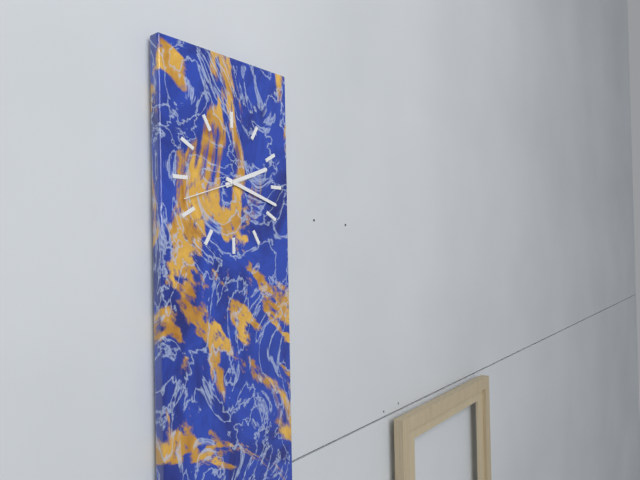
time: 2:18:42
